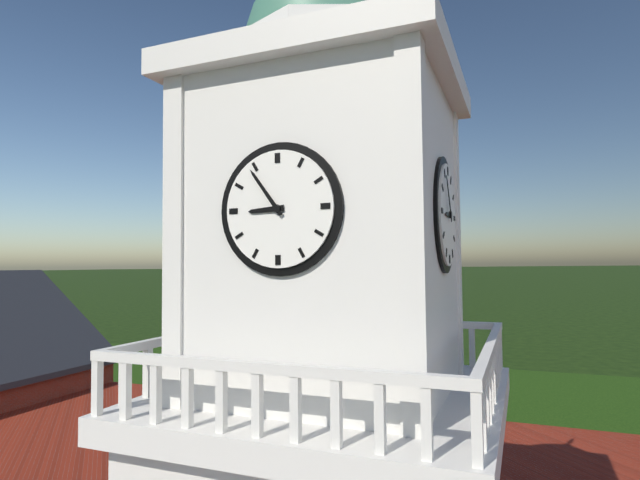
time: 8:54
